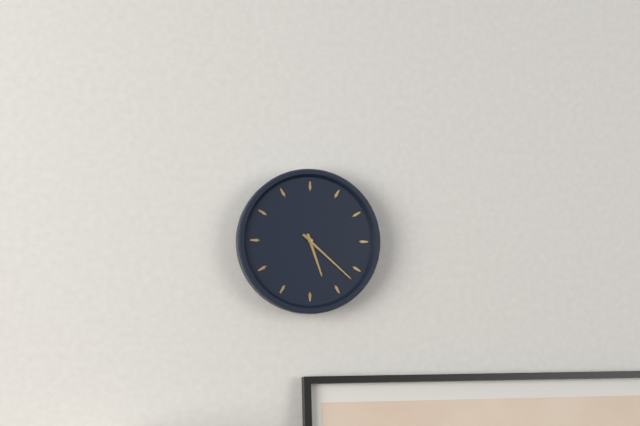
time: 5:22
